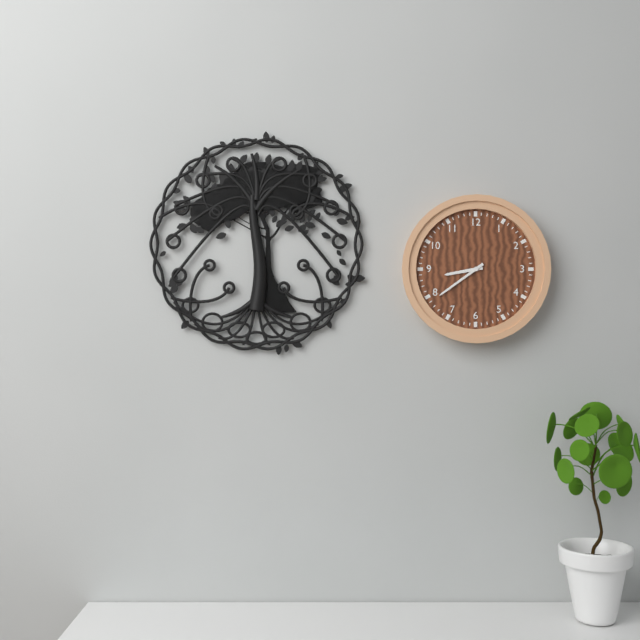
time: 8:39
